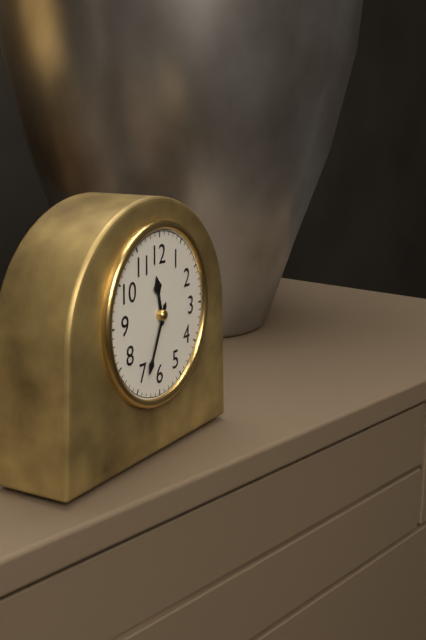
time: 11:34
